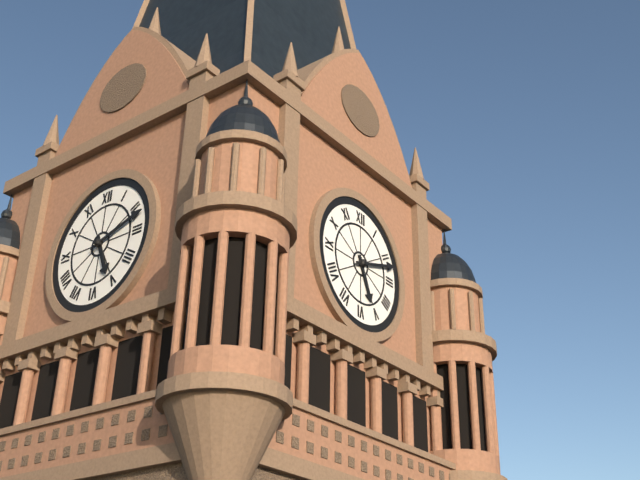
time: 5:12
